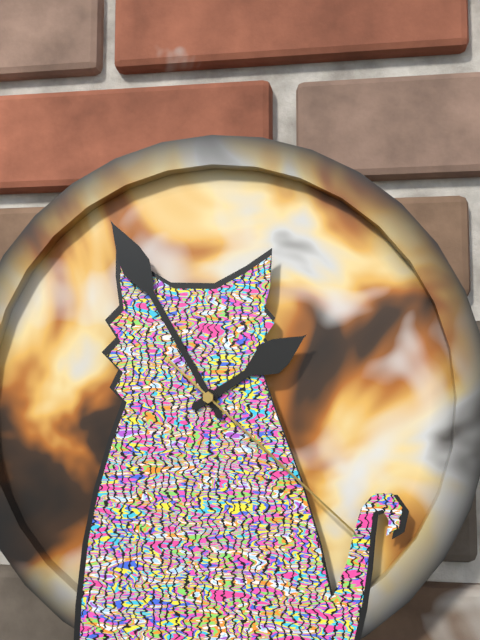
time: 1:55:22
